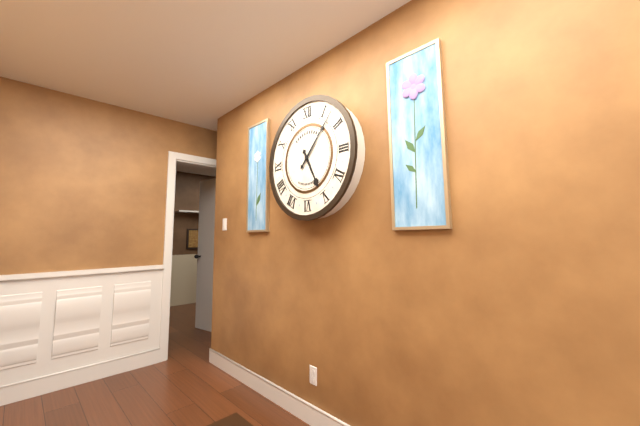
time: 5:07
